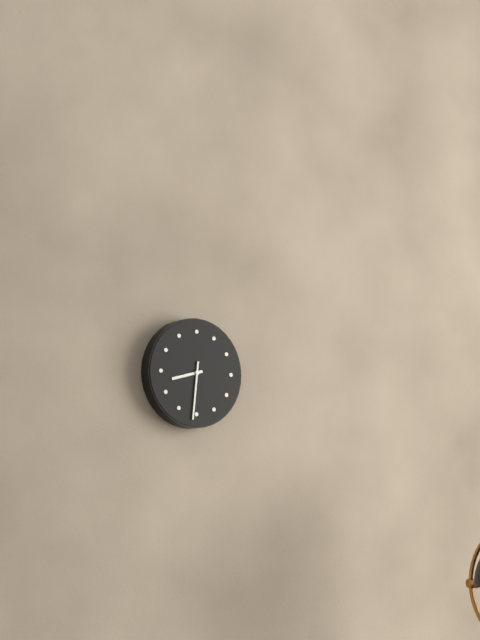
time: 8:31
